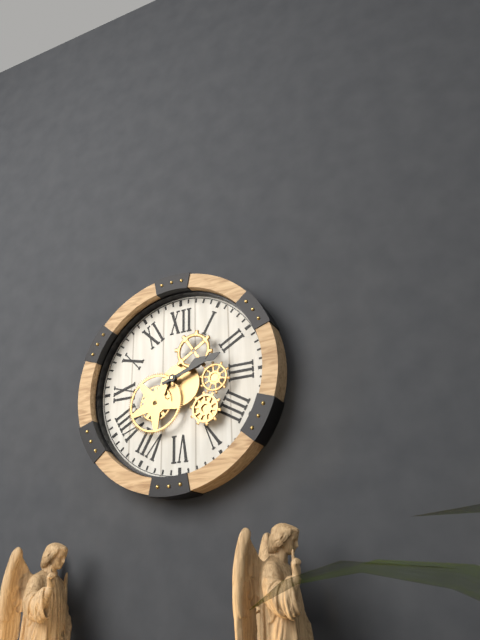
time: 2:12
